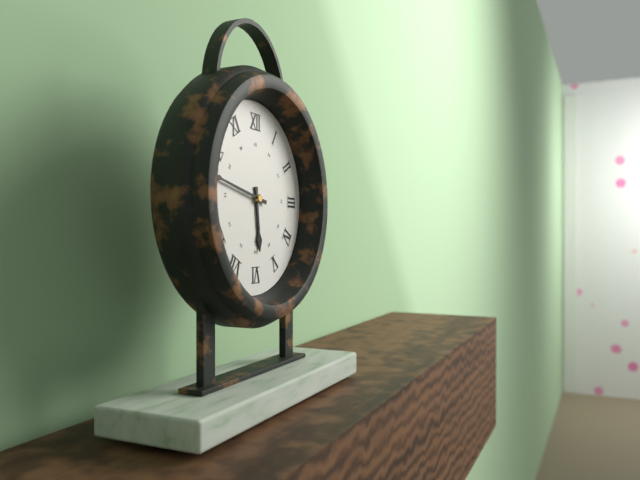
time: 5:47
